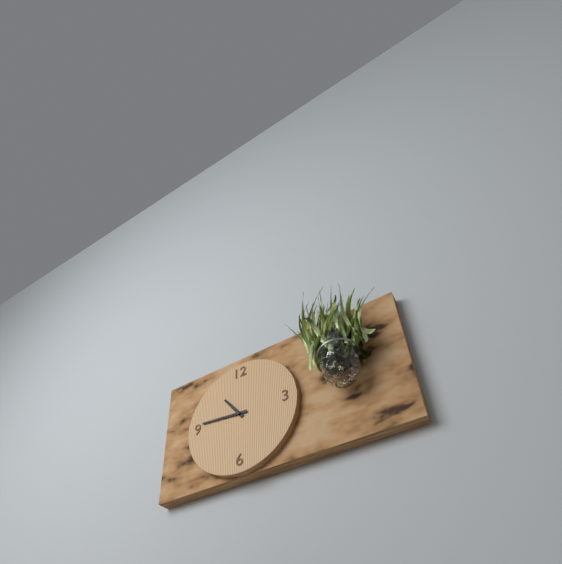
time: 10:46
